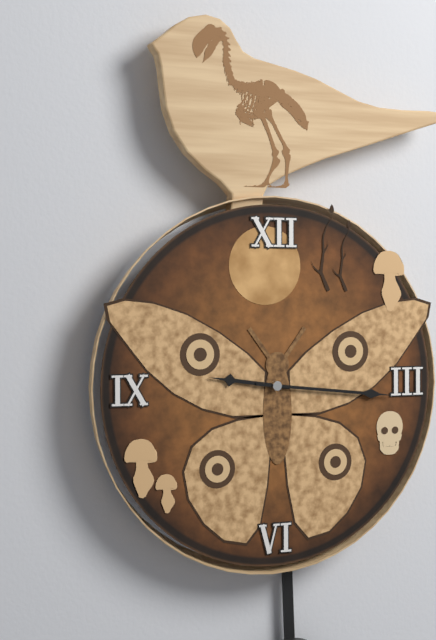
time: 9:16
